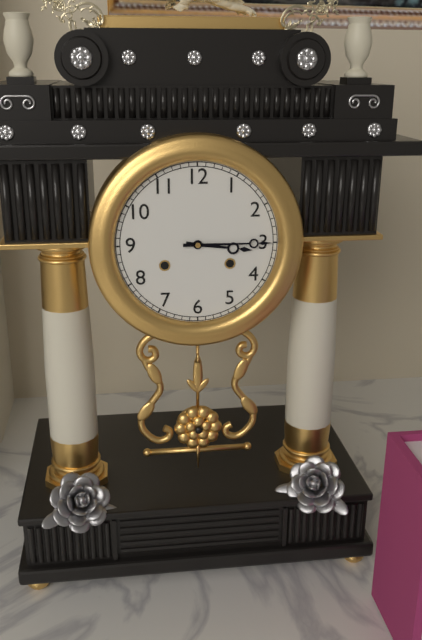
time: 3:15
